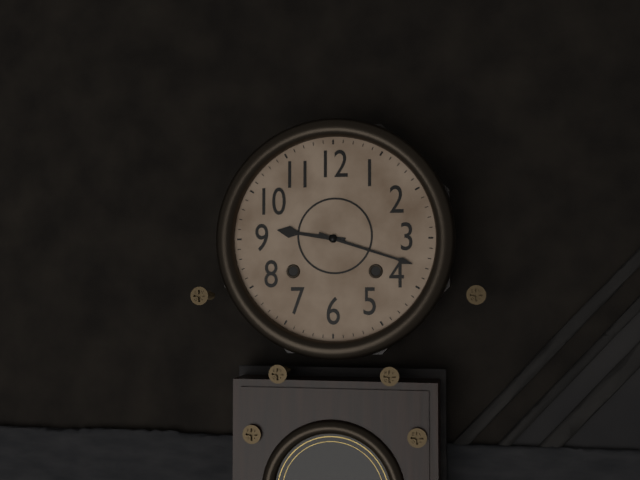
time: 9:18
